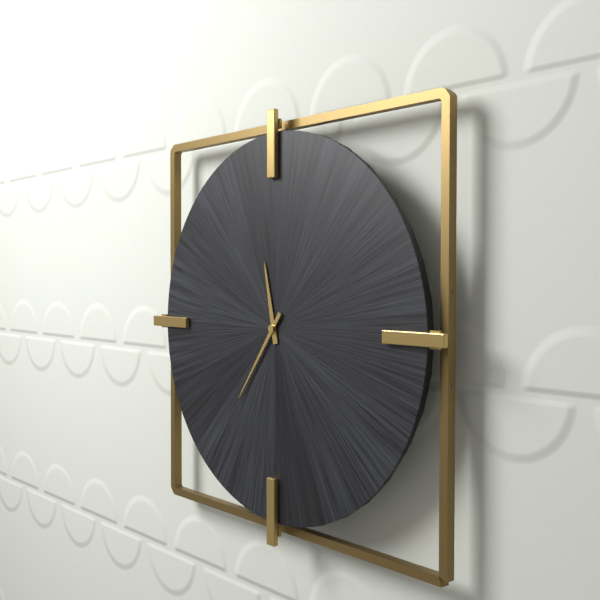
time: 11:36
